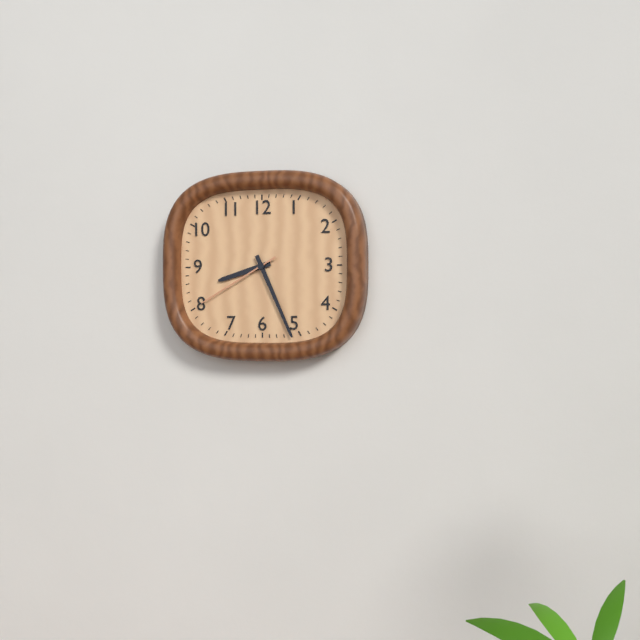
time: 8:26:40
